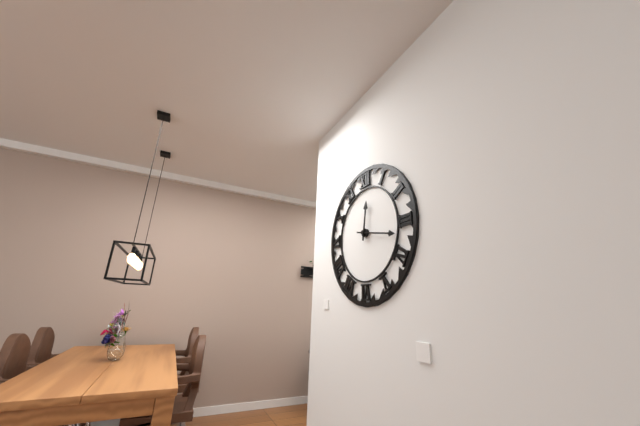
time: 12:17
